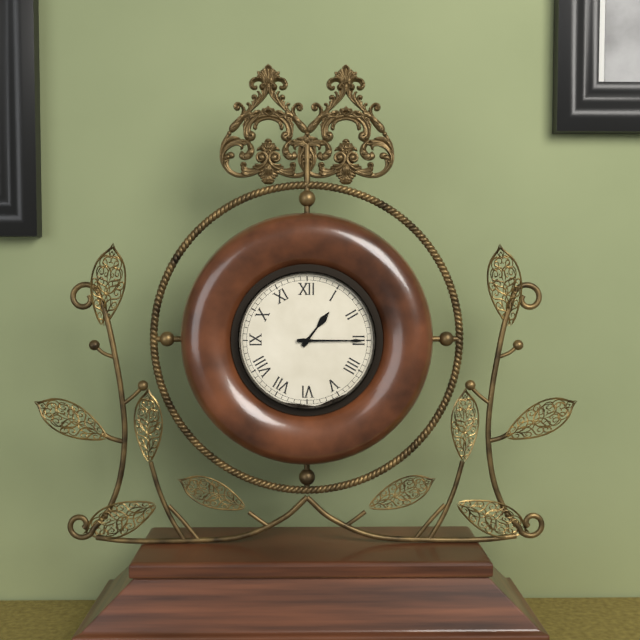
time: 1:15
